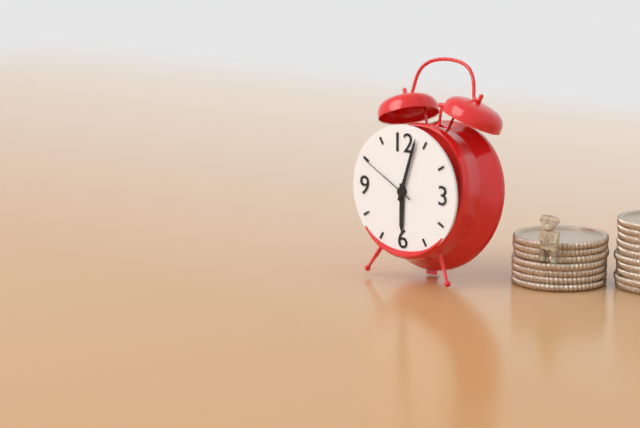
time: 6:03:50
